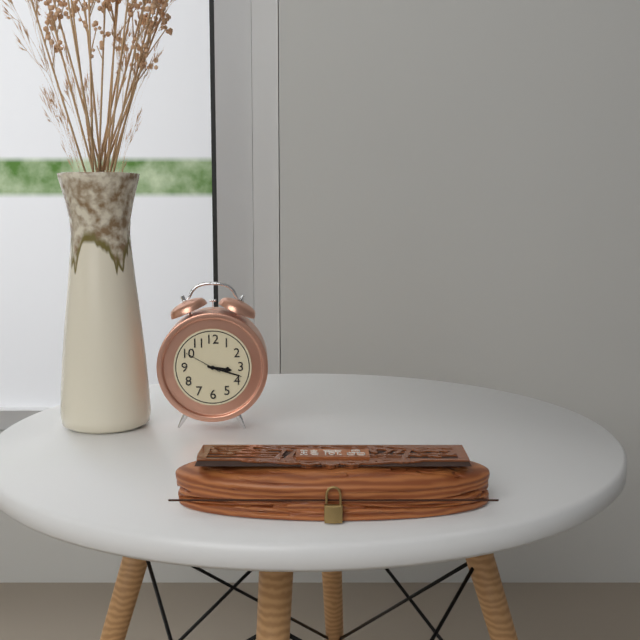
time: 3:18
